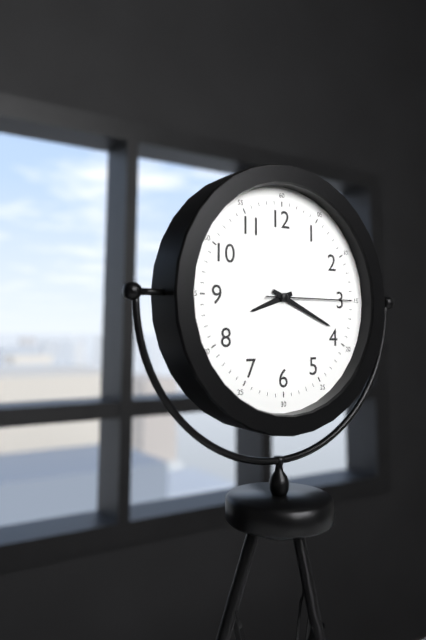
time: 8:19:15
